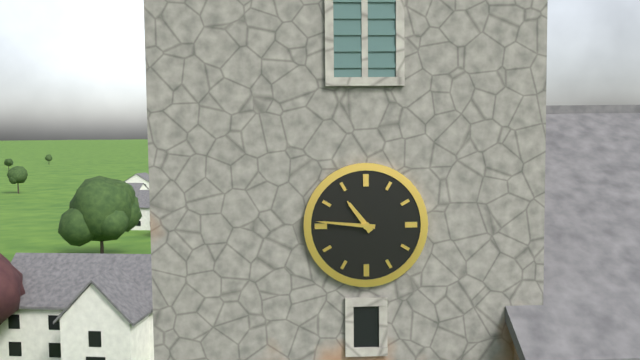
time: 10:46
